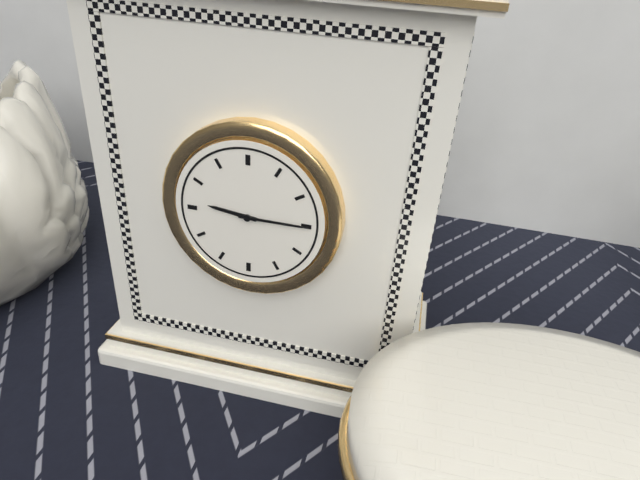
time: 9:15
